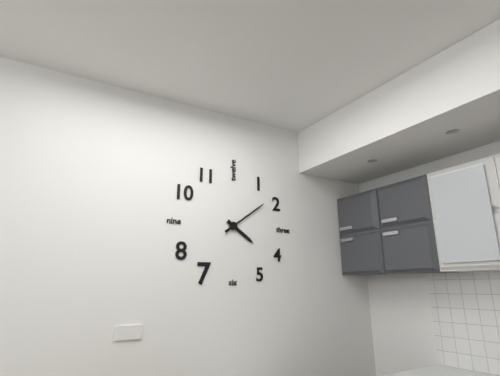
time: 4:09
